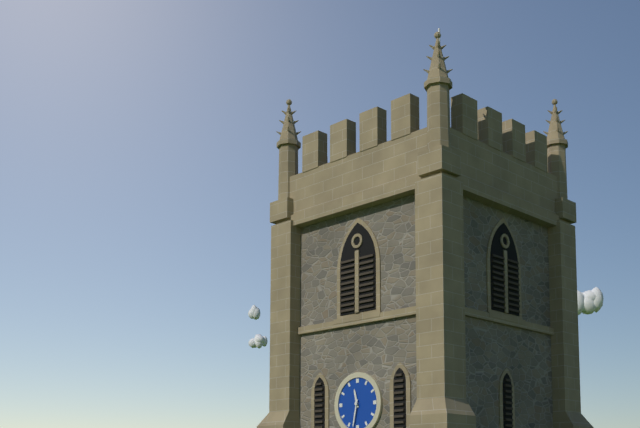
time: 11:32
